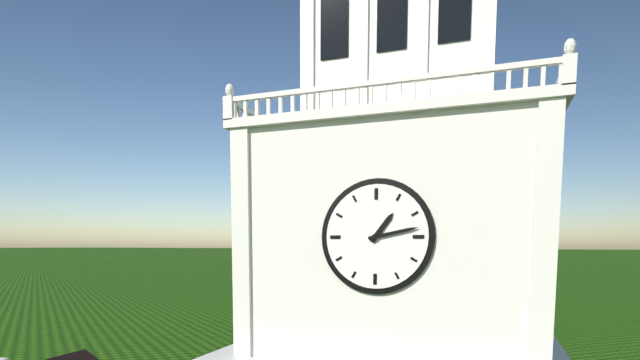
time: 1:13
